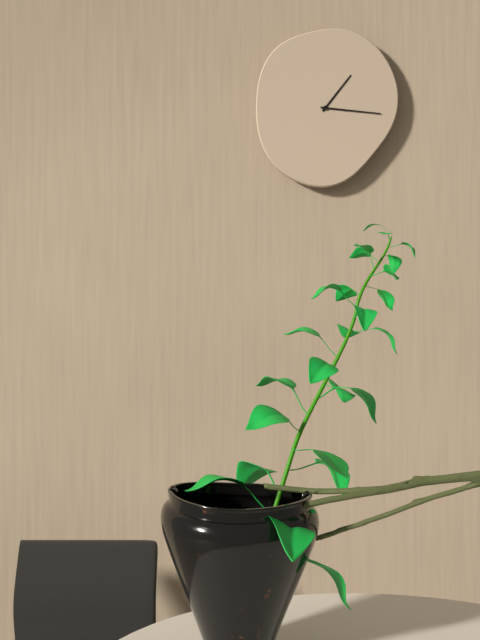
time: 1:16
